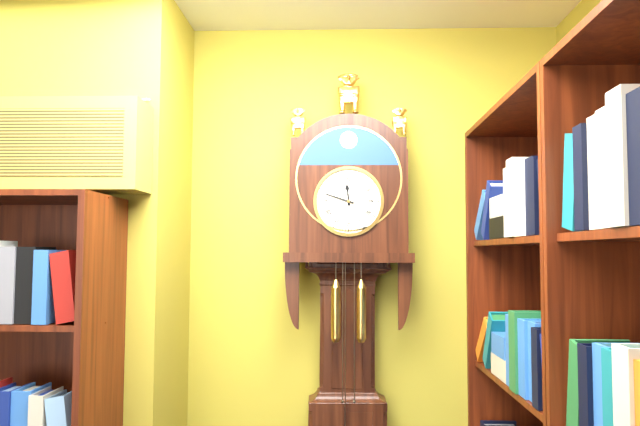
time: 11:48
